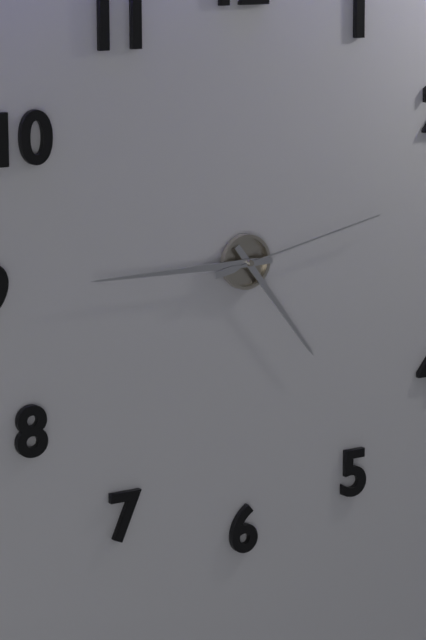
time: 4:45:13
